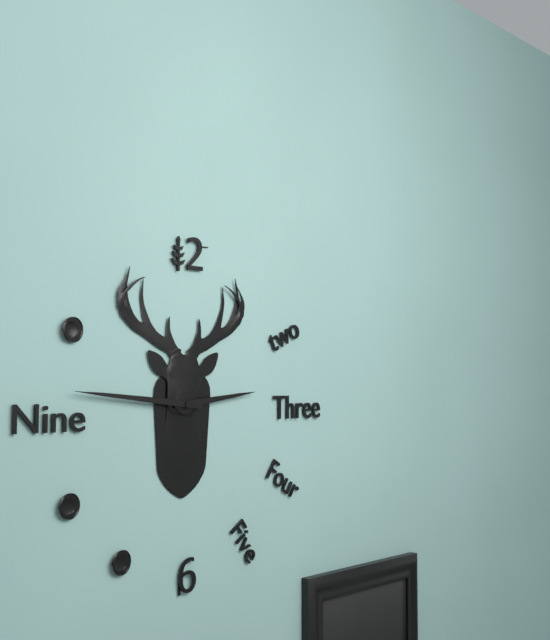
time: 2:46
